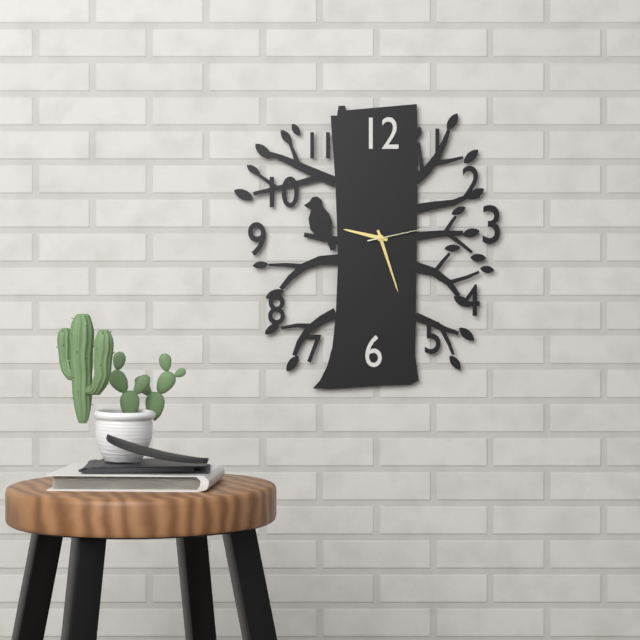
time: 9:27:13
